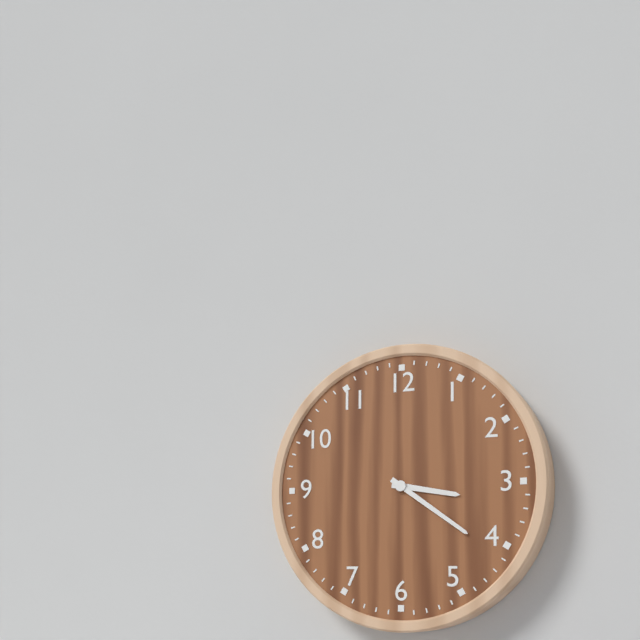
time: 3:21
